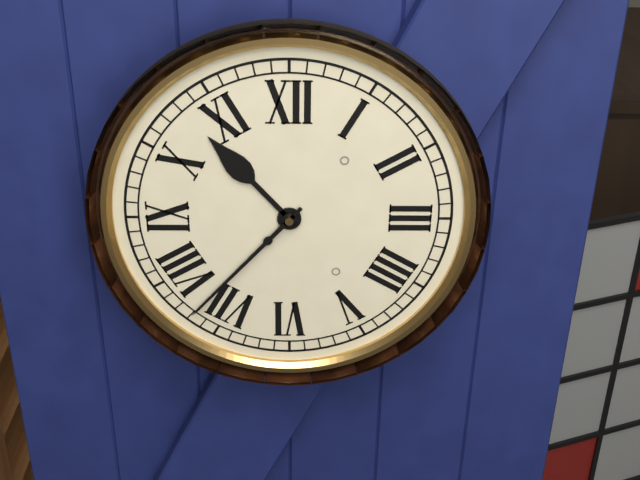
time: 10:37
